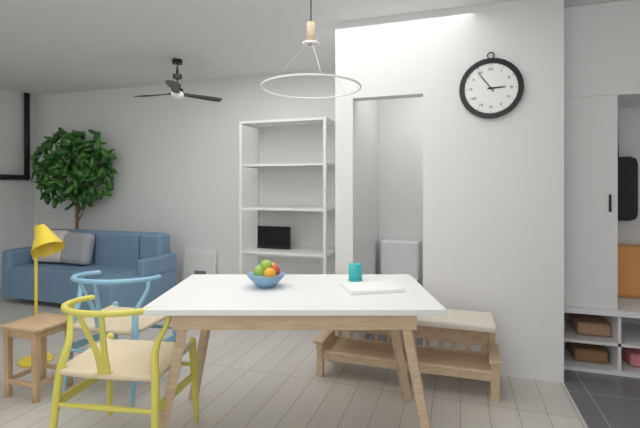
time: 2:54
